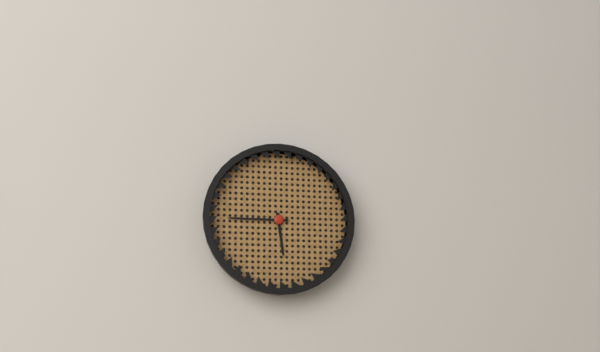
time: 5:45
